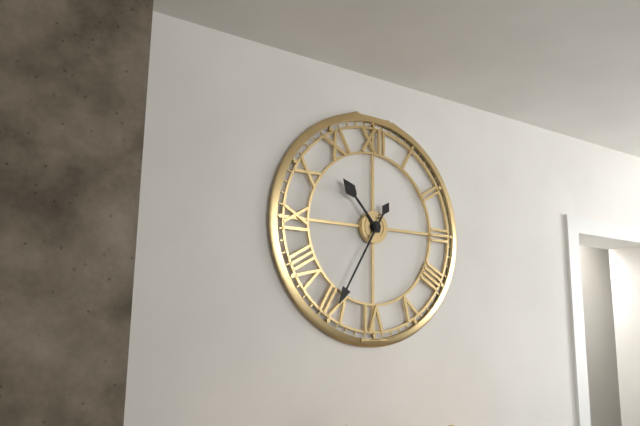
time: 10:35
